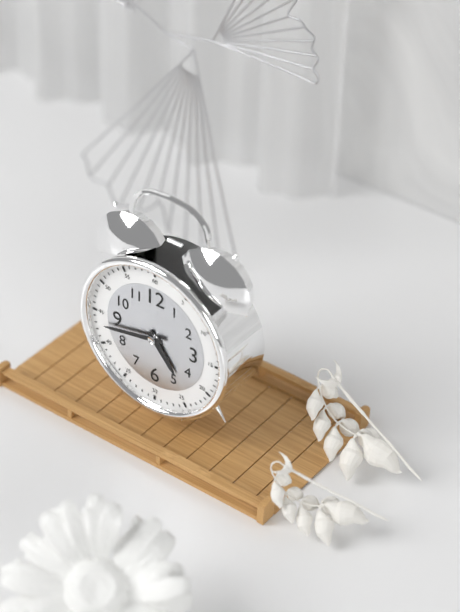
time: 4:43
